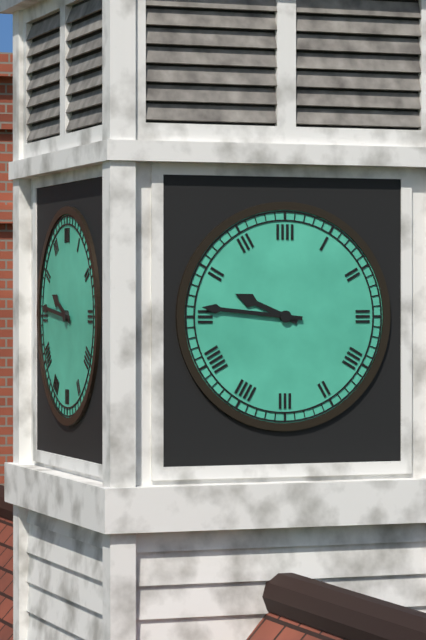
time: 9:46
